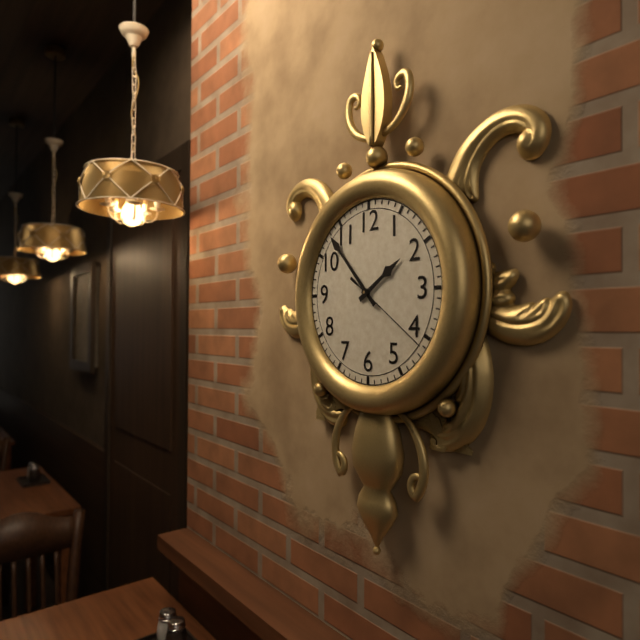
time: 1:53:21
